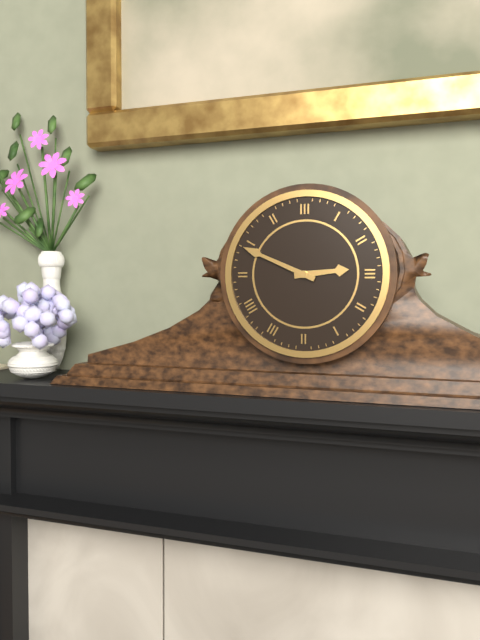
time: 2:49
